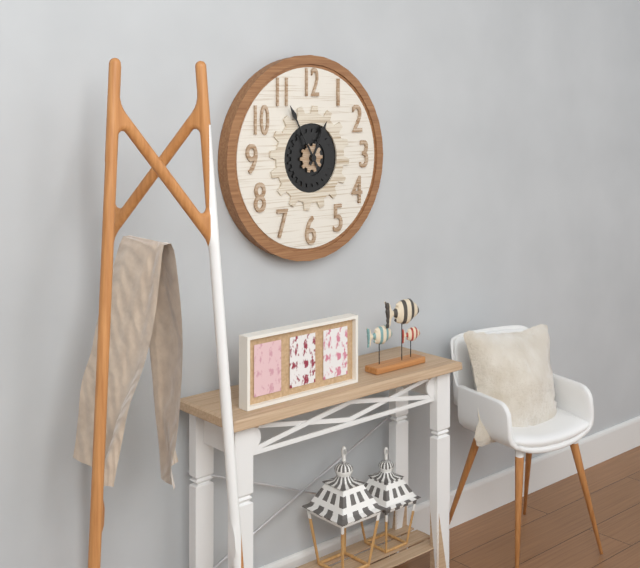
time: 12:55
